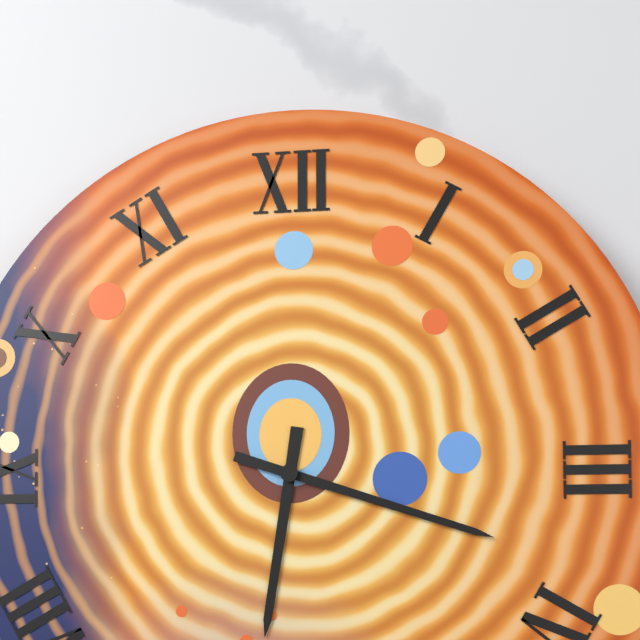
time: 6:18
